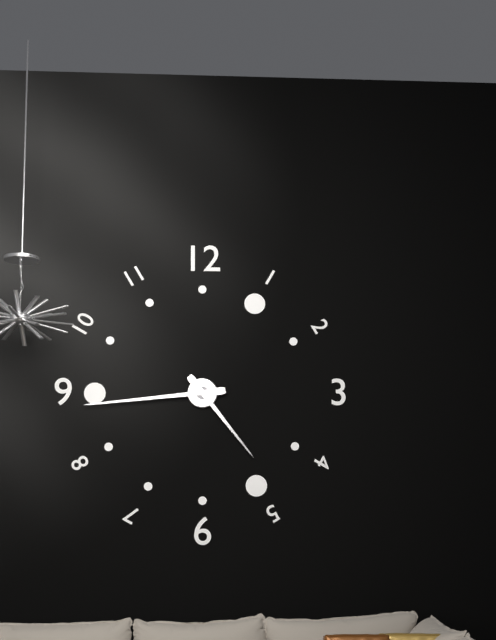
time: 4:44
